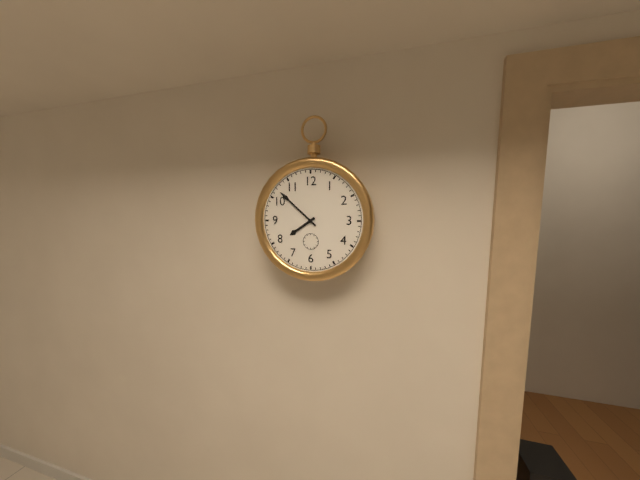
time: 7:52
